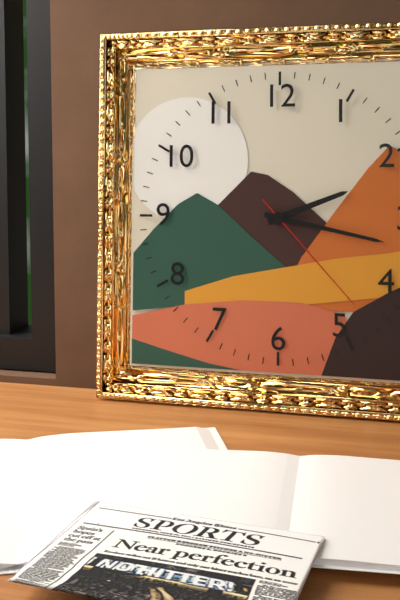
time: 2:17:23
